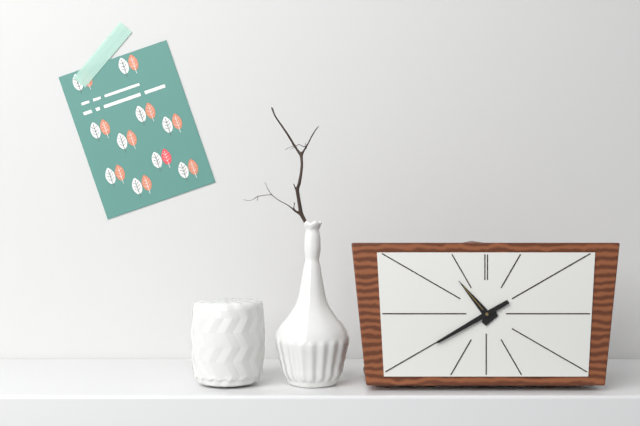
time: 10:40
